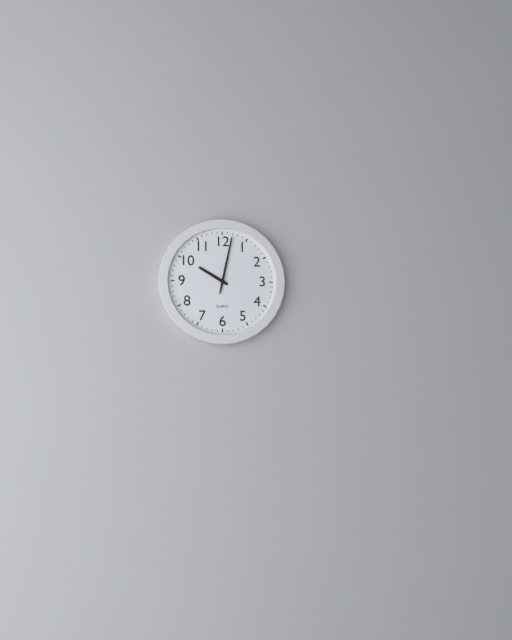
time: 10:02
